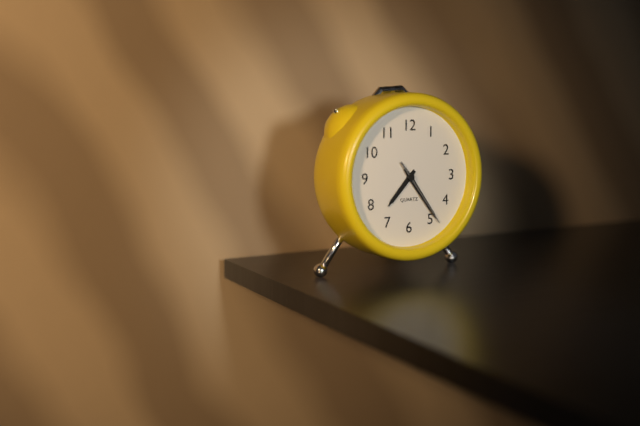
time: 7:24:24
